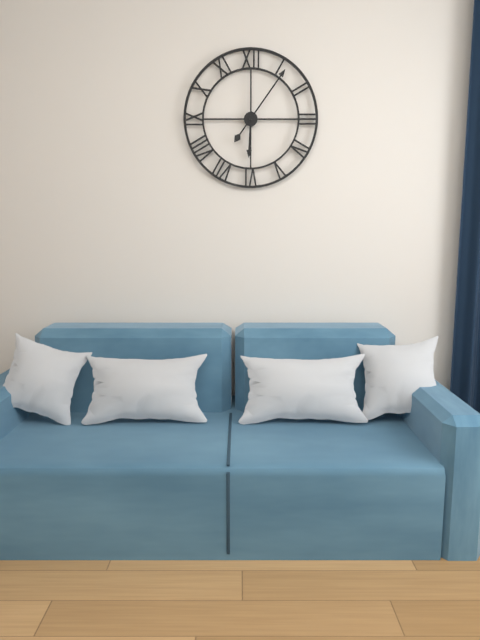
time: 6:06
